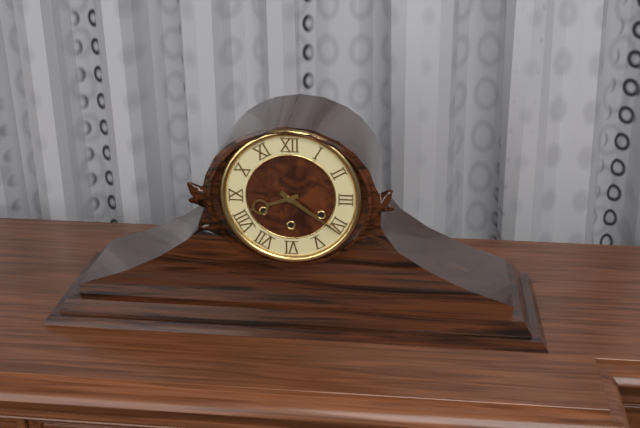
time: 8:21
